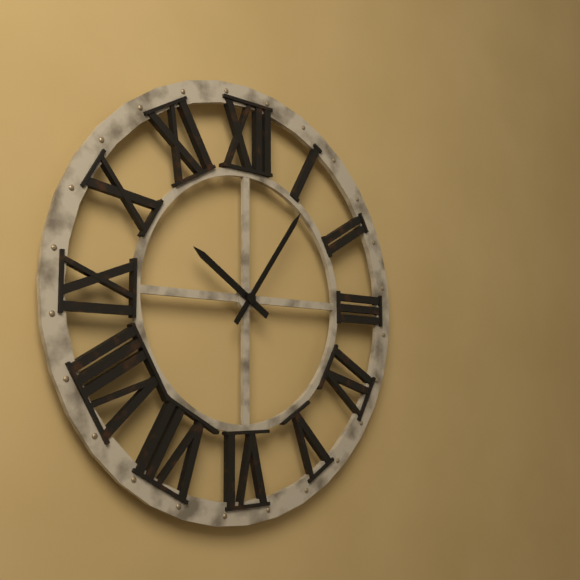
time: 10:06
